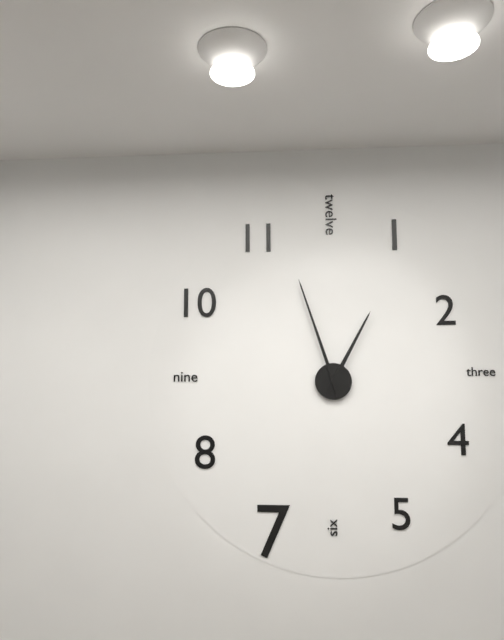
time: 12:57
